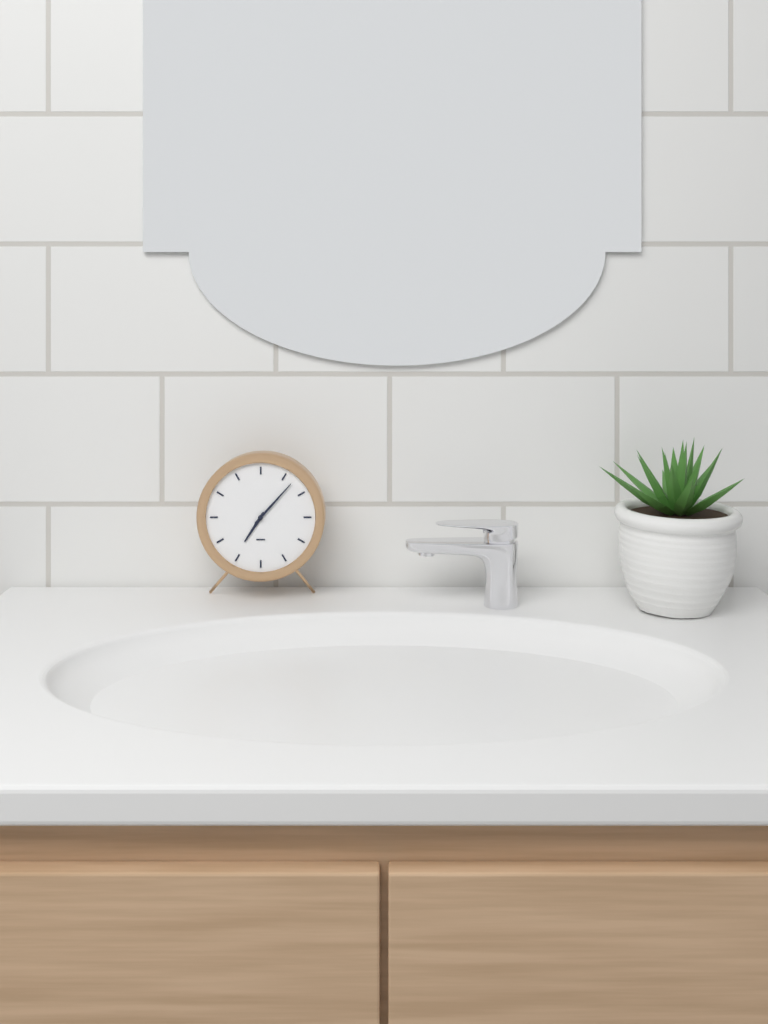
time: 7:07
